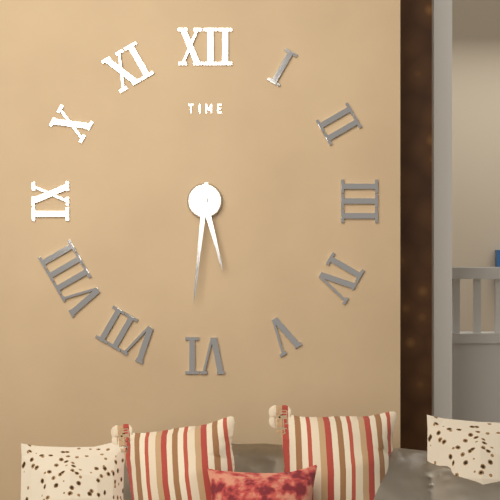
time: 5:31
